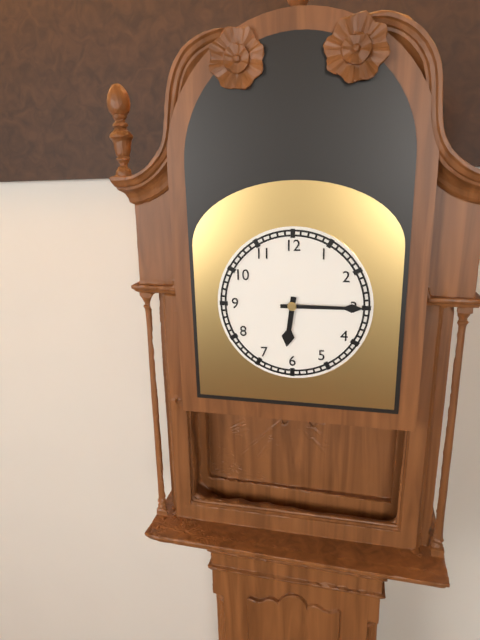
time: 6:15
